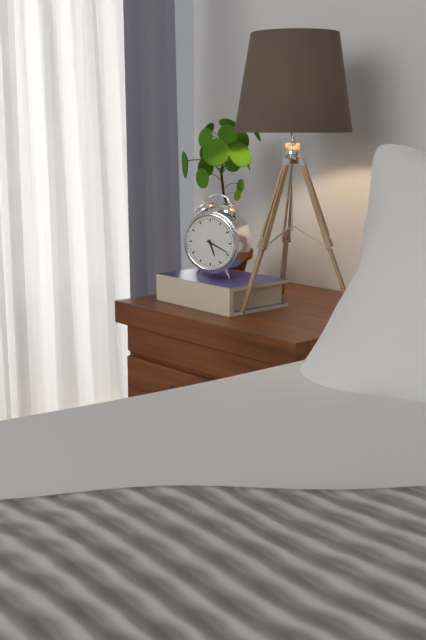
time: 5:19
